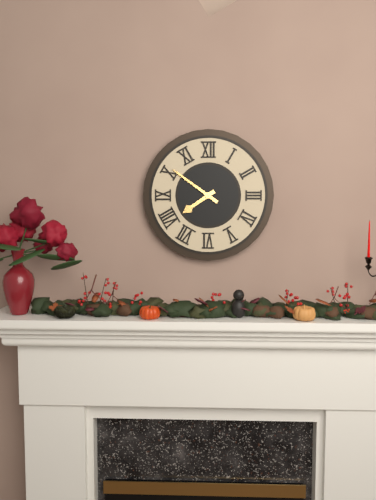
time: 7:51
